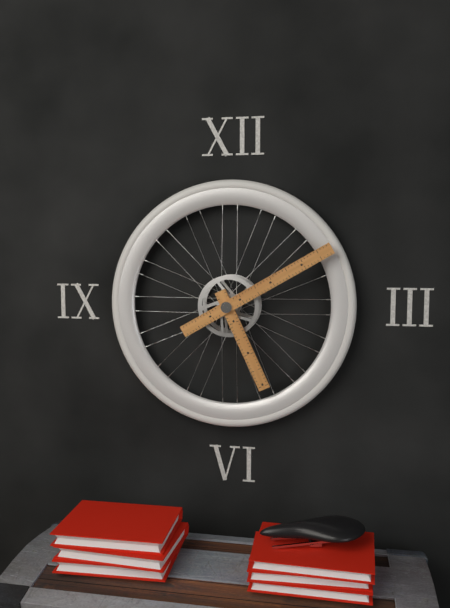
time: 5:10
